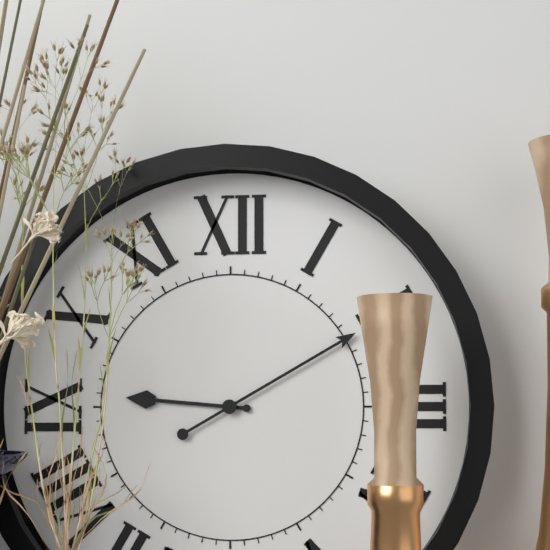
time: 9:10
